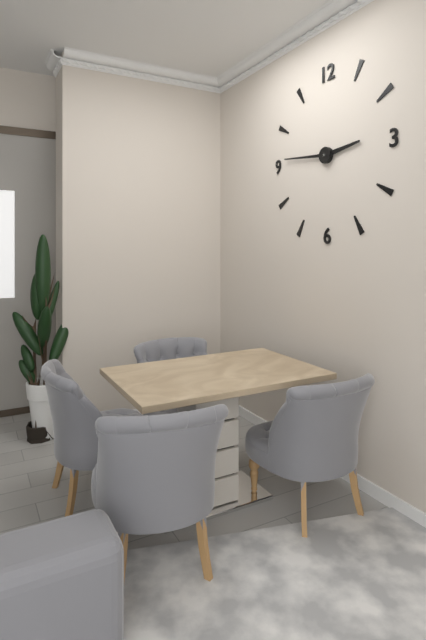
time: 2:46
